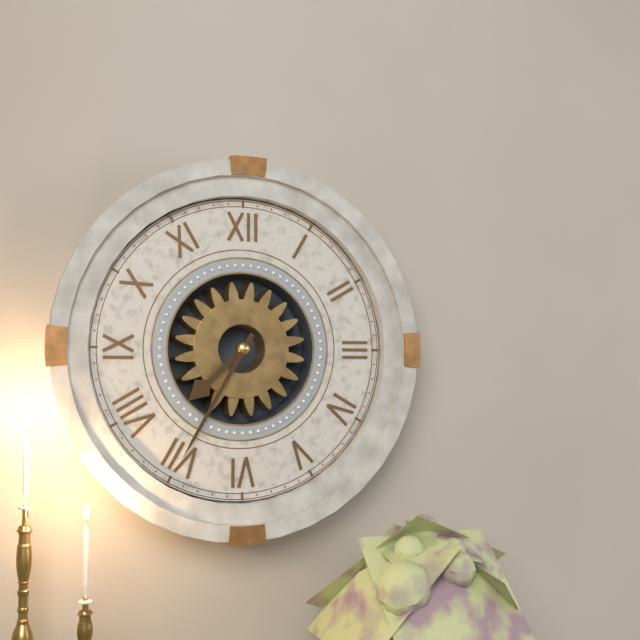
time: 7:35
